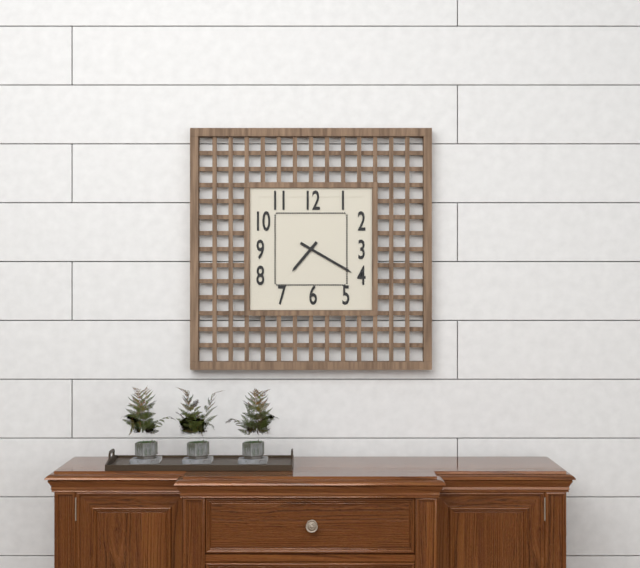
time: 7:20
